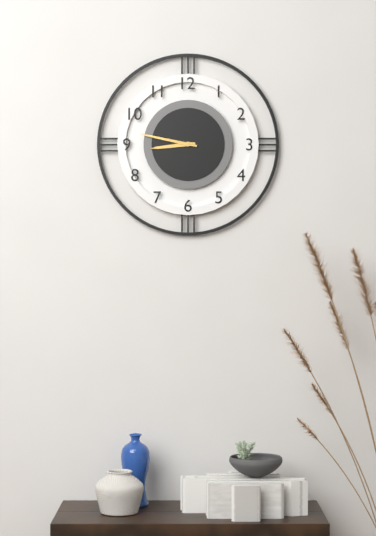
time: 8:47
